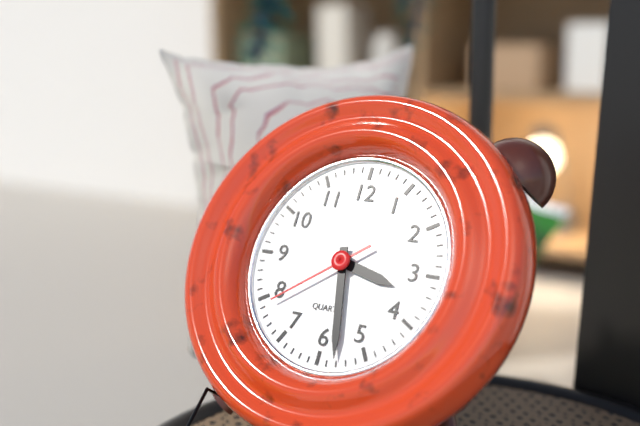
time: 3:28:39
